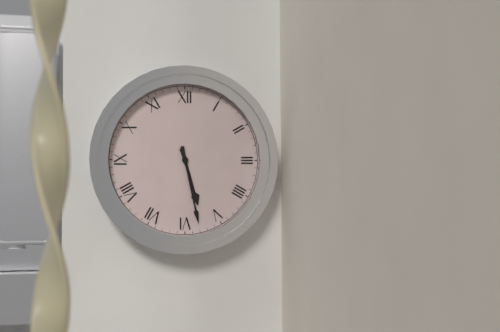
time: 5:28
